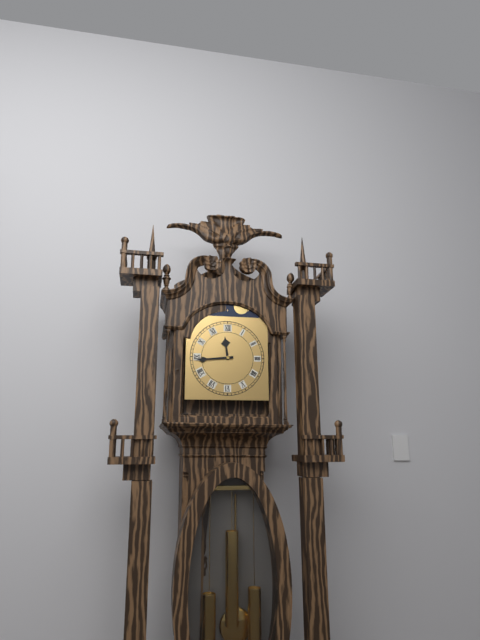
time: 11:44
